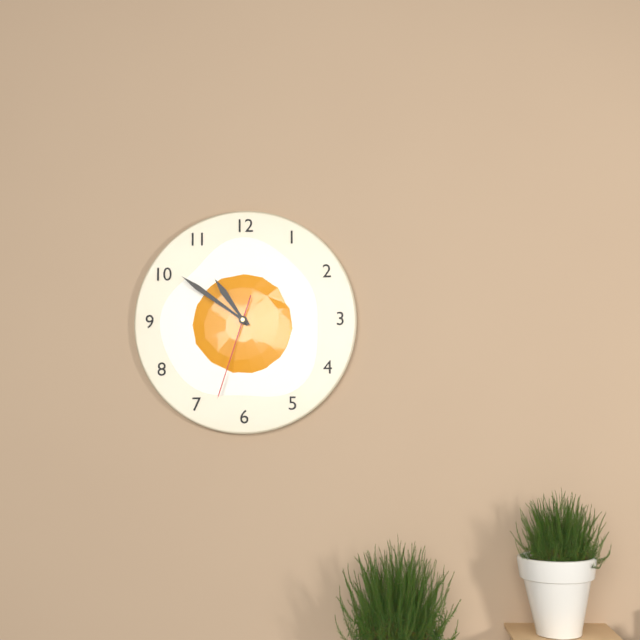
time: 10:51:33
